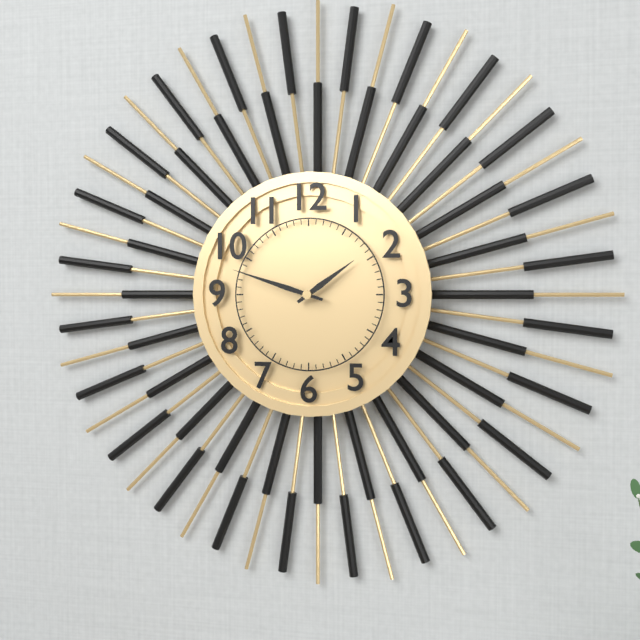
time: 1:48
